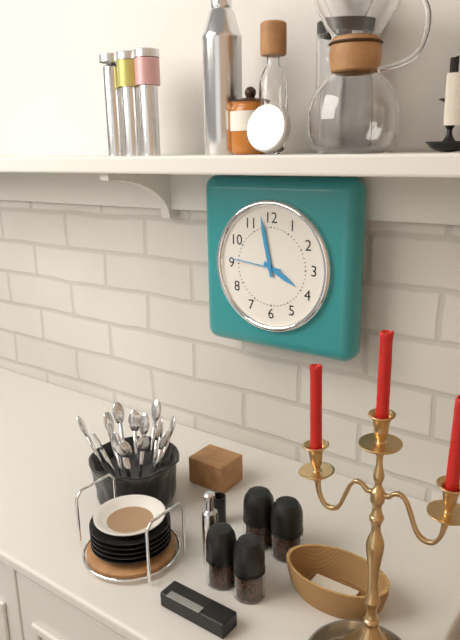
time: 3:58:46
